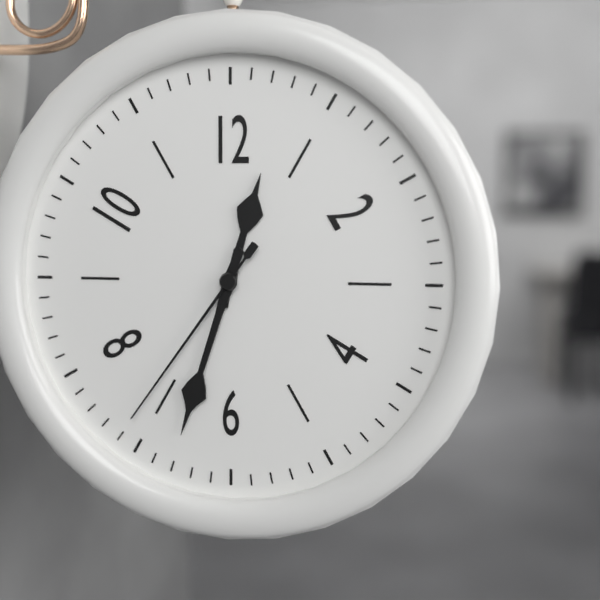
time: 12:33:36
